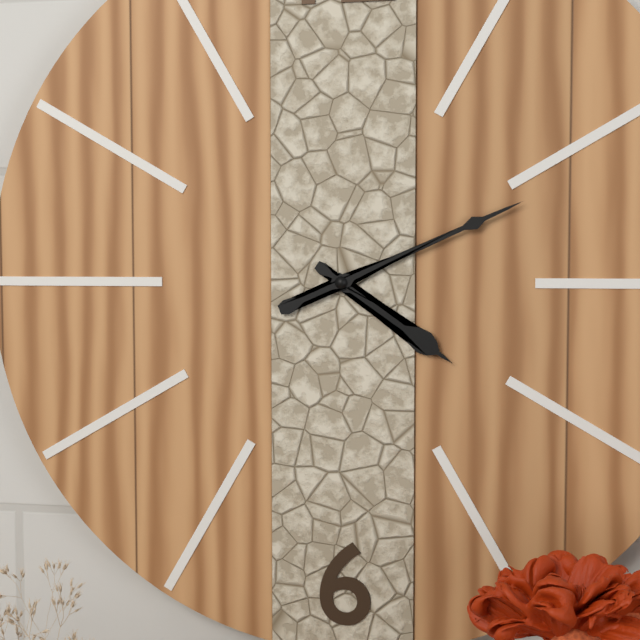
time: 4:11
